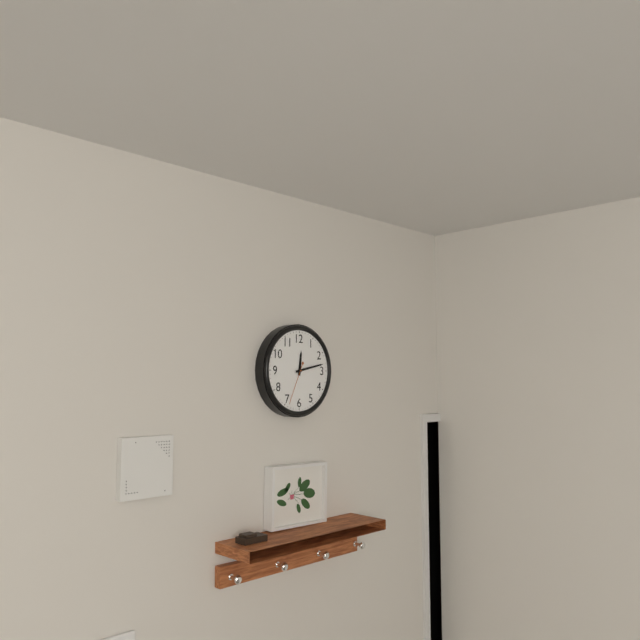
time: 12:13
